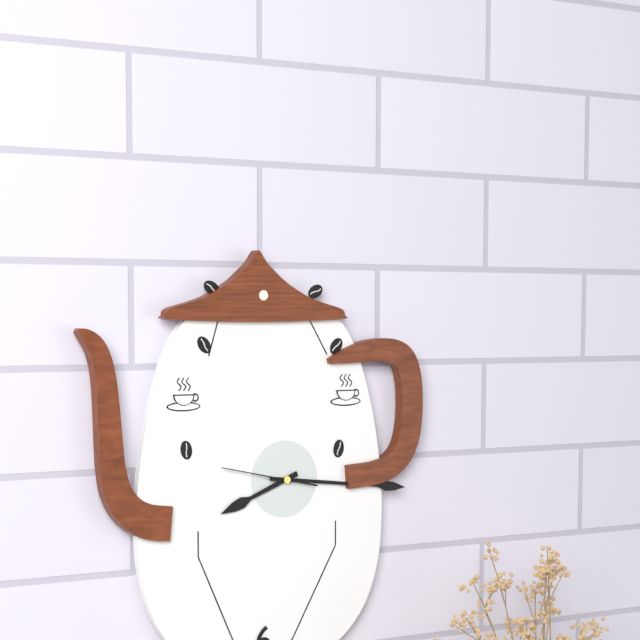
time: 8:16:47
